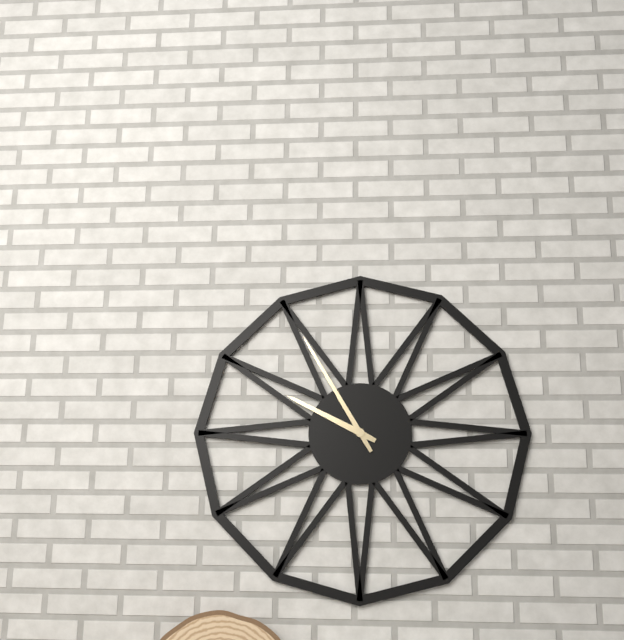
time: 9:55
